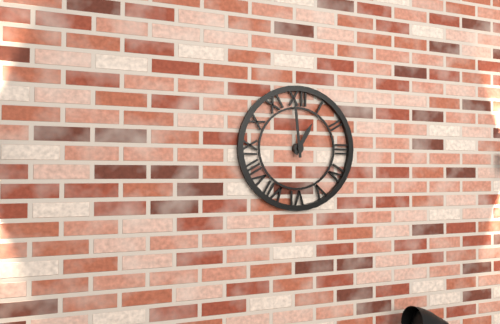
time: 12:59
